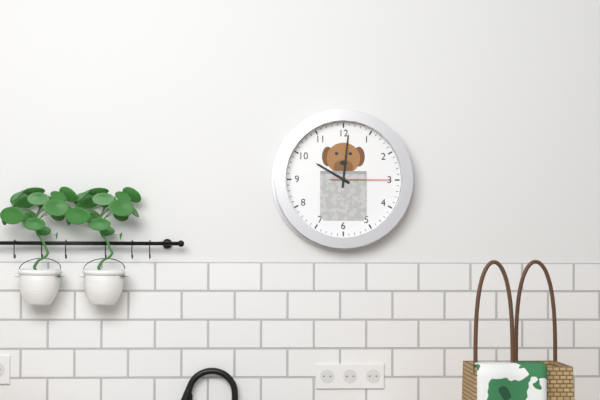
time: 10:01:15
